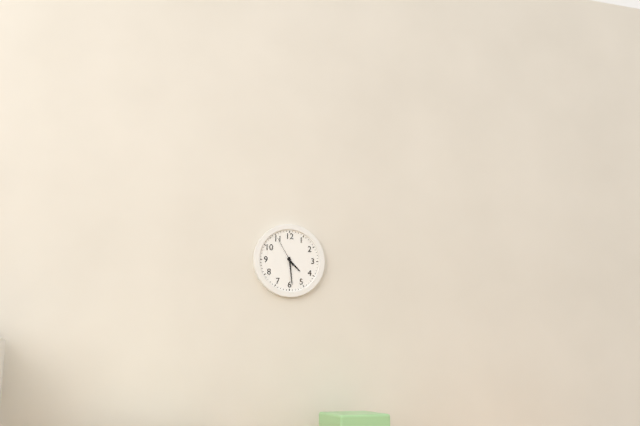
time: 4:29
